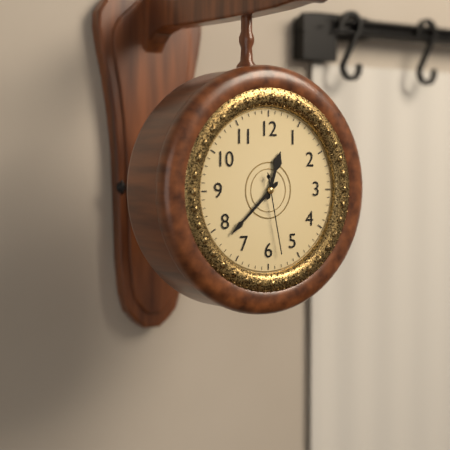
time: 12:38:28
